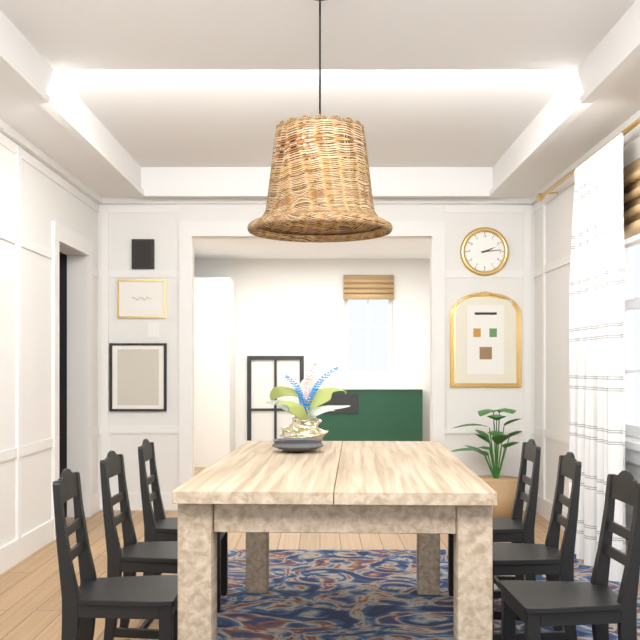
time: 2:14
